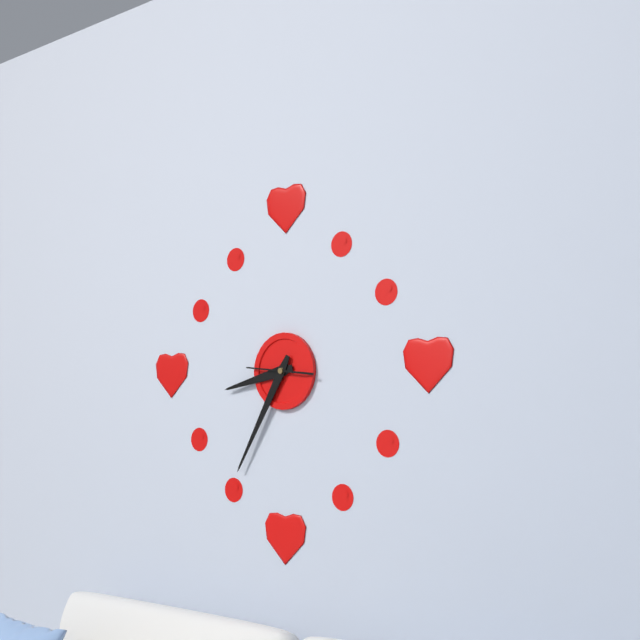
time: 8:35
